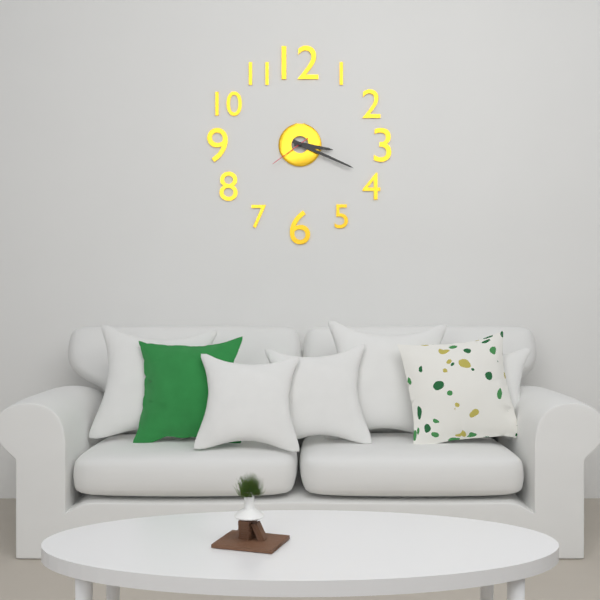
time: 3:19
